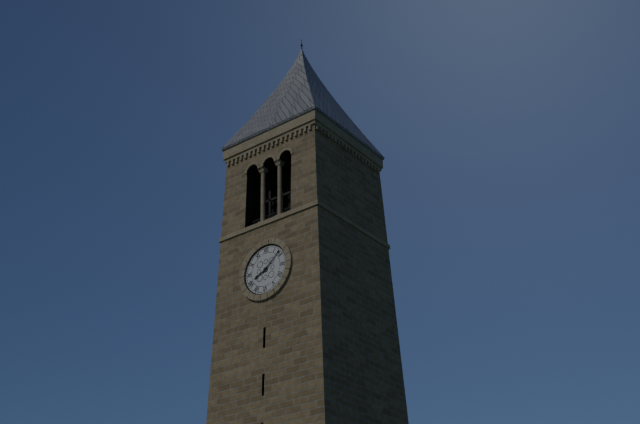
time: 8:08
